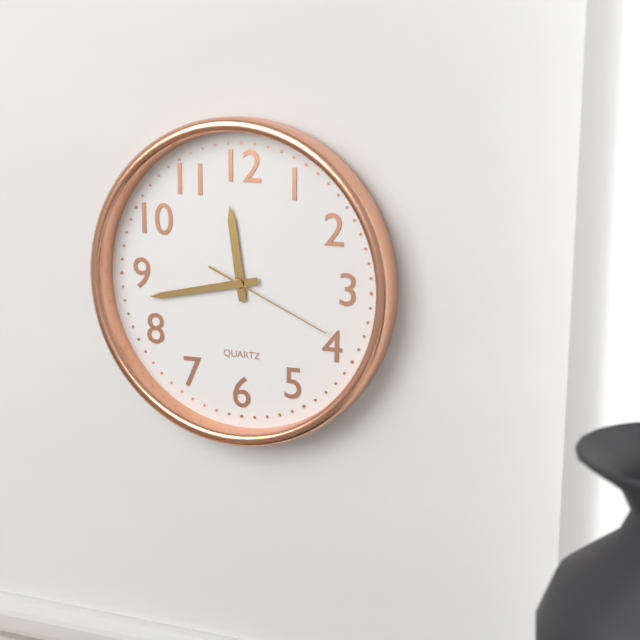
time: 11:43:19
